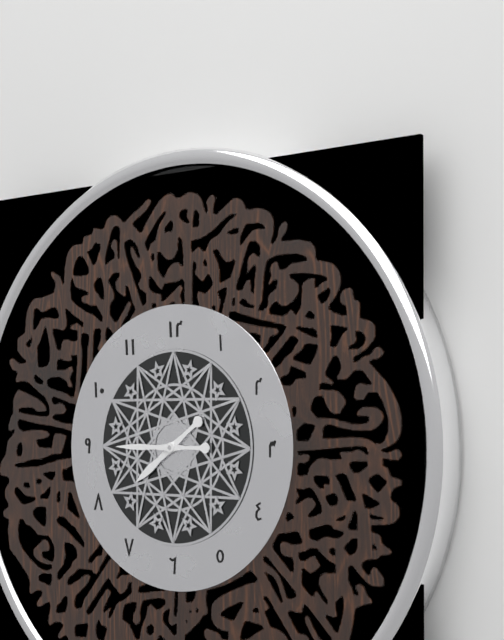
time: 7:45
